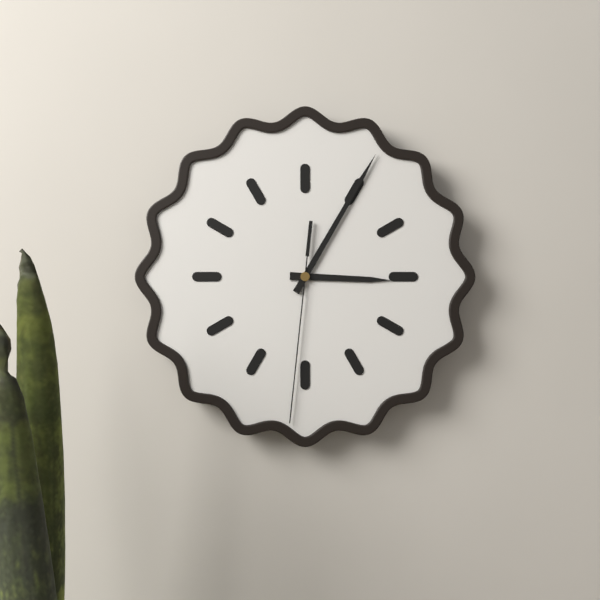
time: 3:05:31
